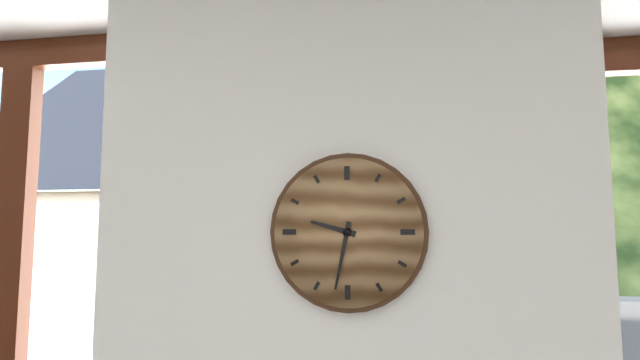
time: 9:32
